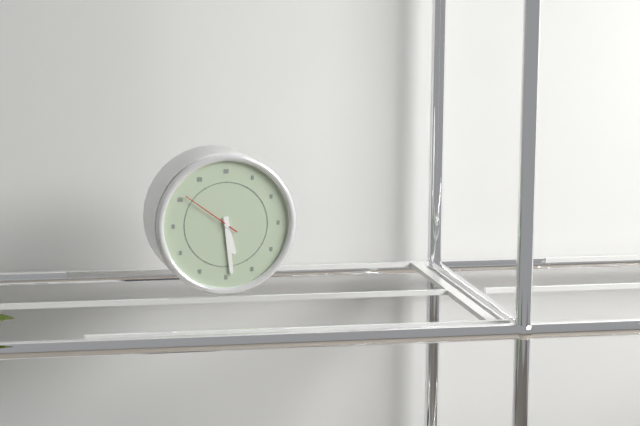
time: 5:29:51
